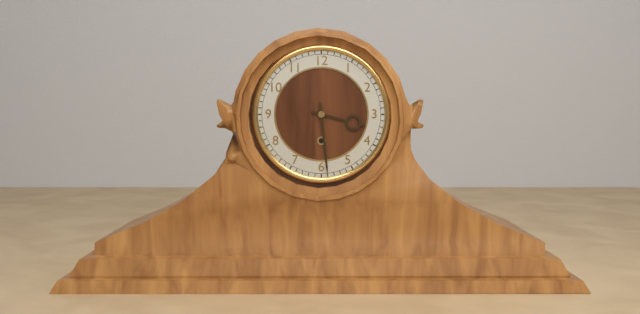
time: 3:29
